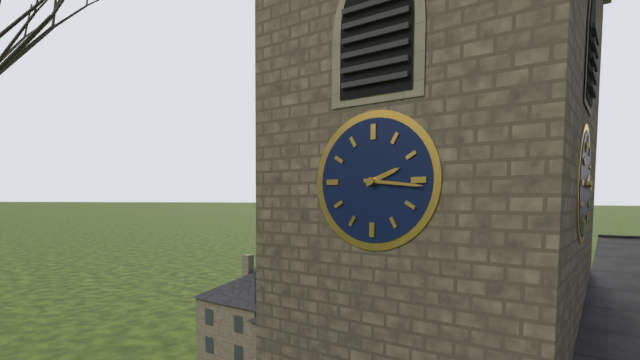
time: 2:16
